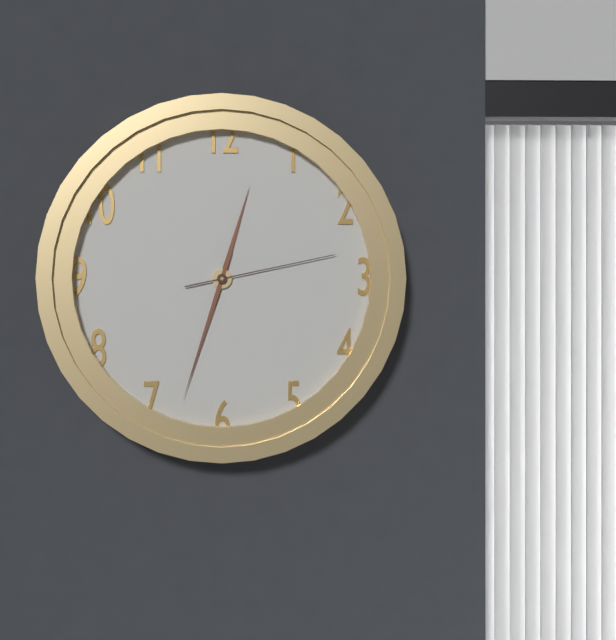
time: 12:33:13
